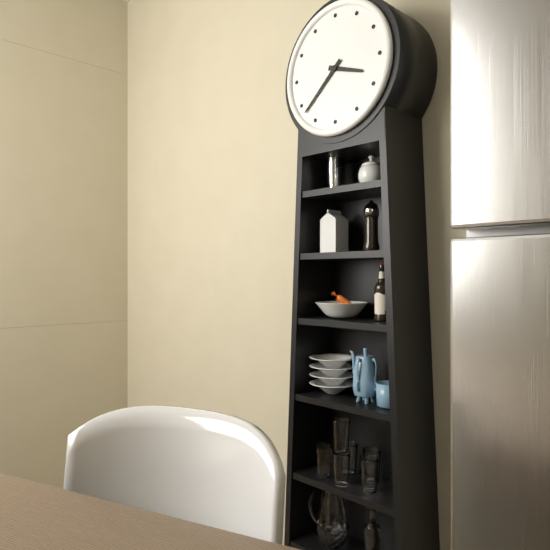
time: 3:38
